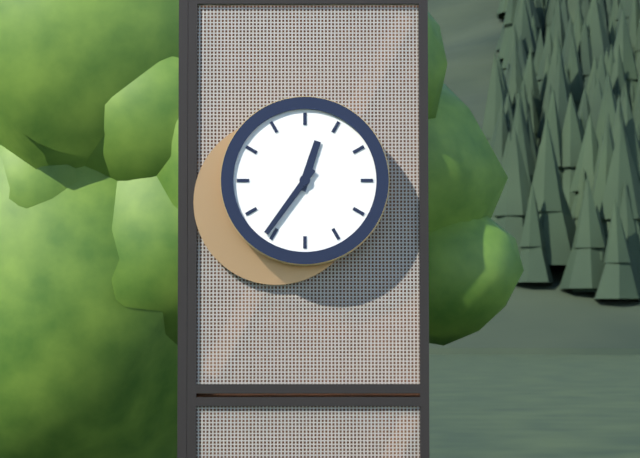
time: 12:36
